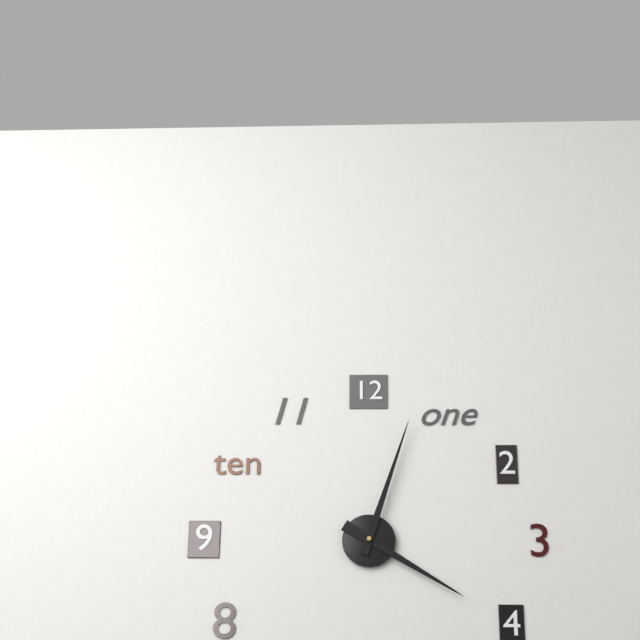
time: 4:03
